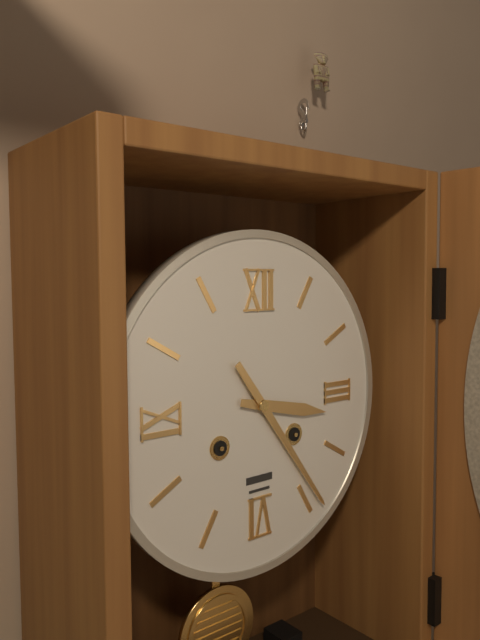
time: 3:24
